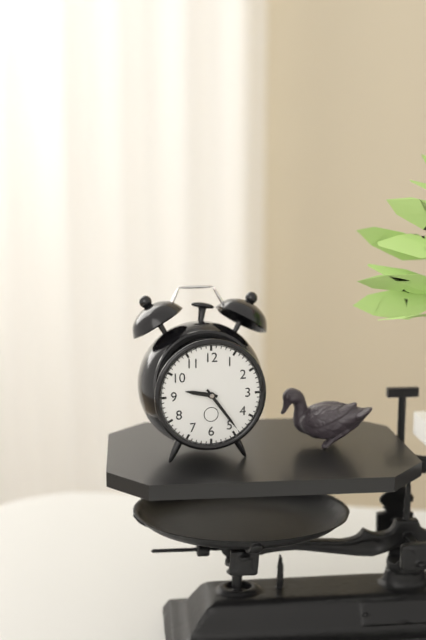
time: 9:24
